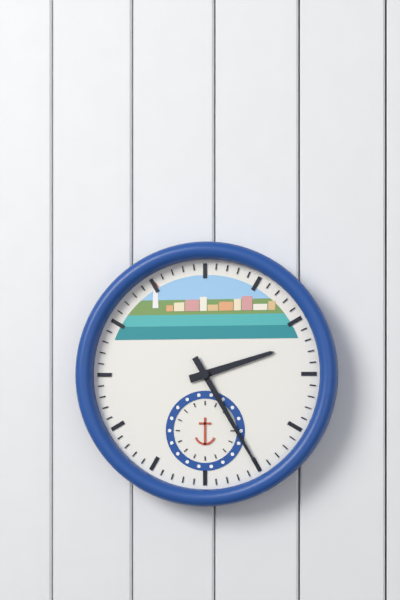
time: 2:25
